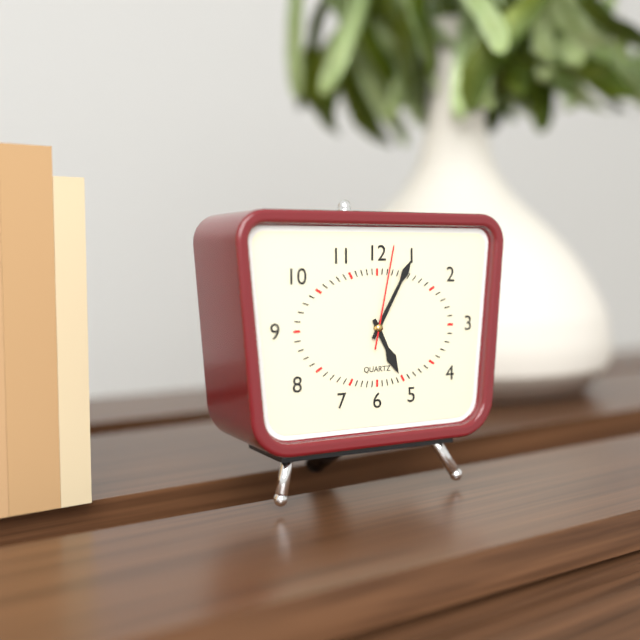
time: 5:05:02
